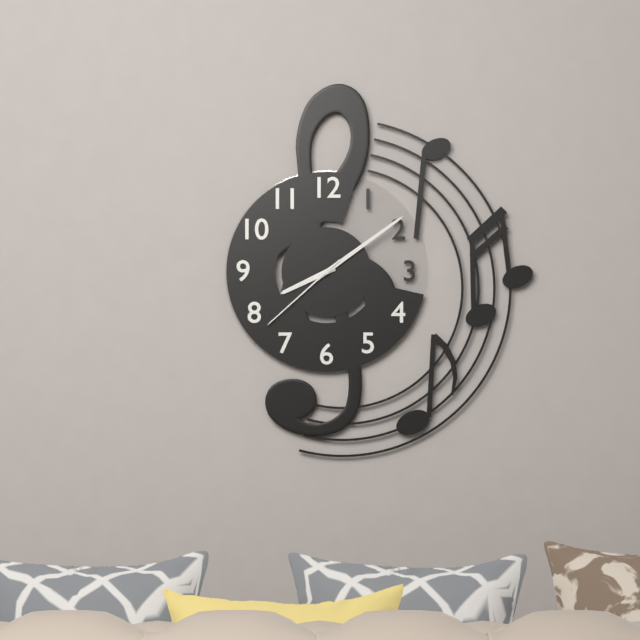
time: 8:09:38
